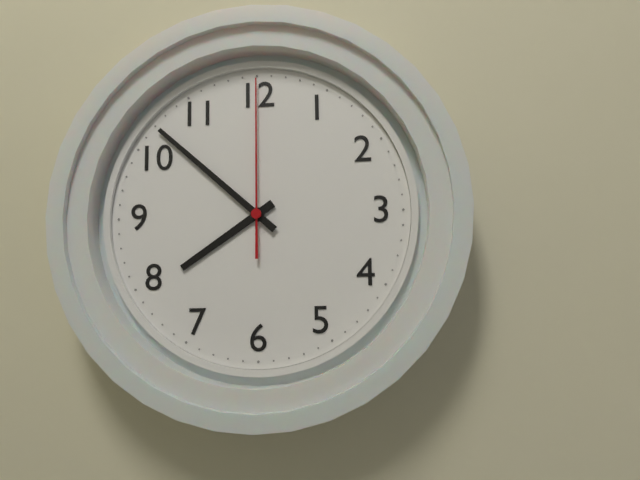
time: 7:52:00
